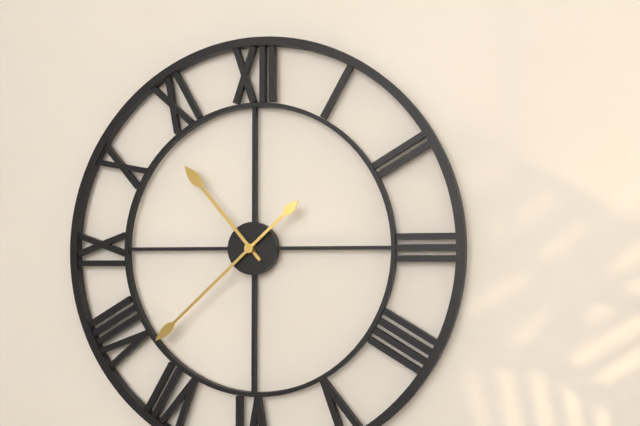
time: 10:38
